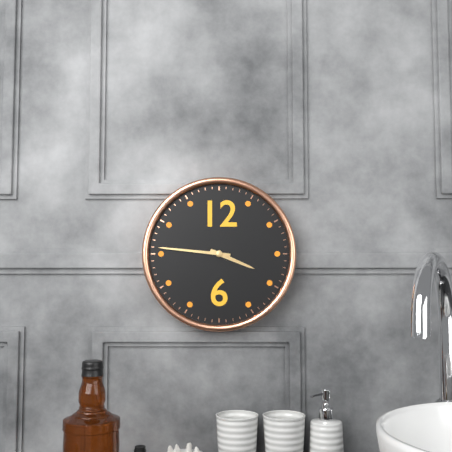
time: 3:46
